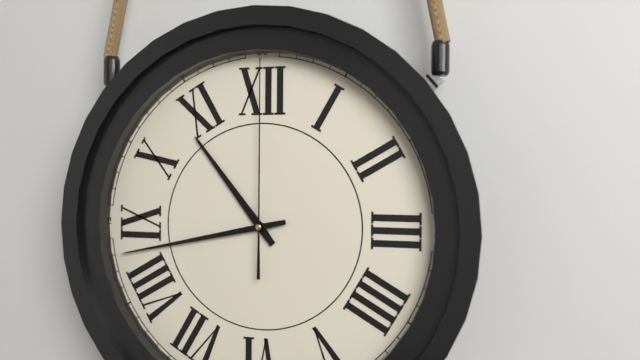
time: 10:43:00
